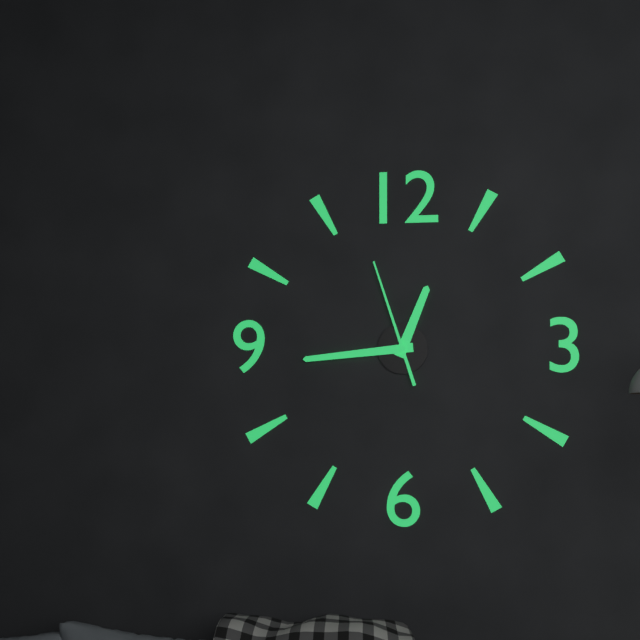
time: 12:44:57
